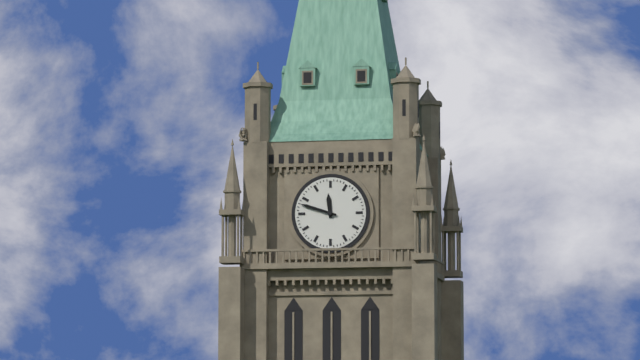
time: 11:48
